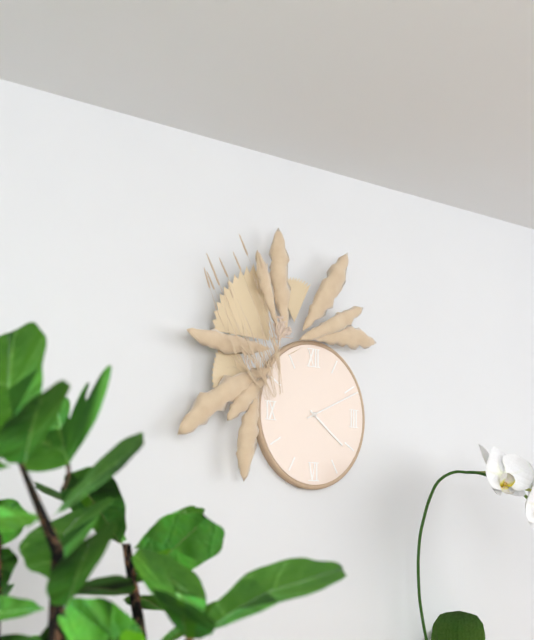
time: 4:11
